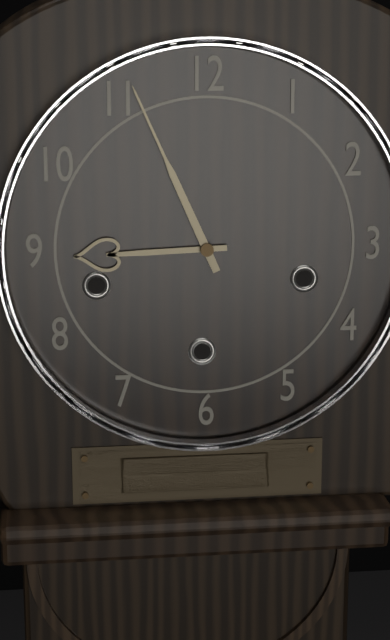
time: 8:56
